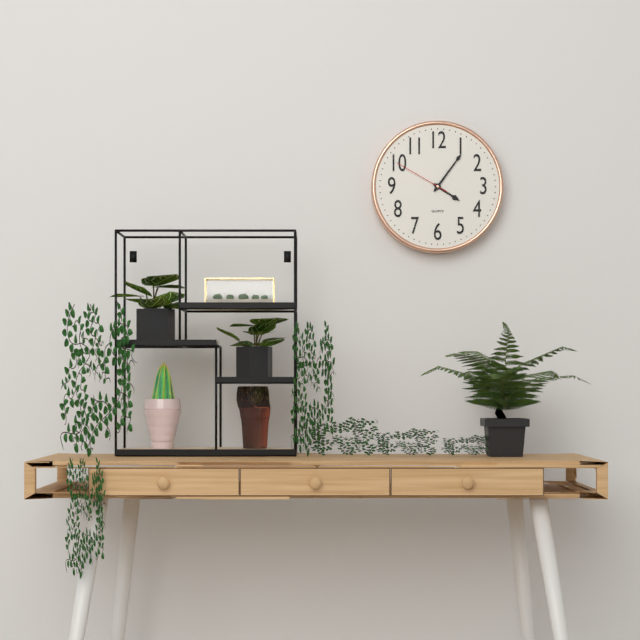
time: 4:06:50
